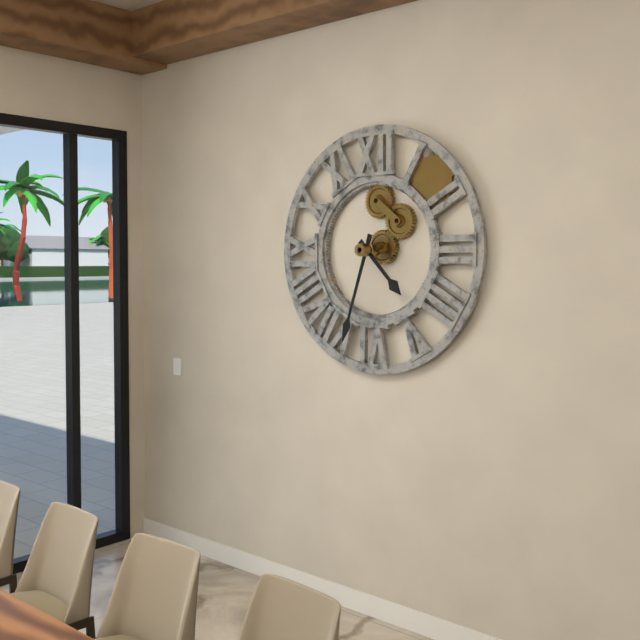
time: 4:33
